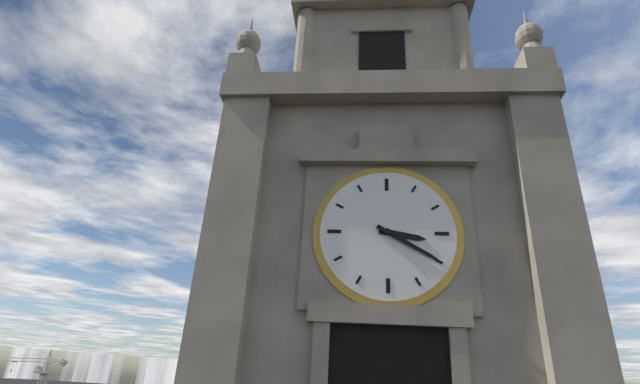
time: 3:20
